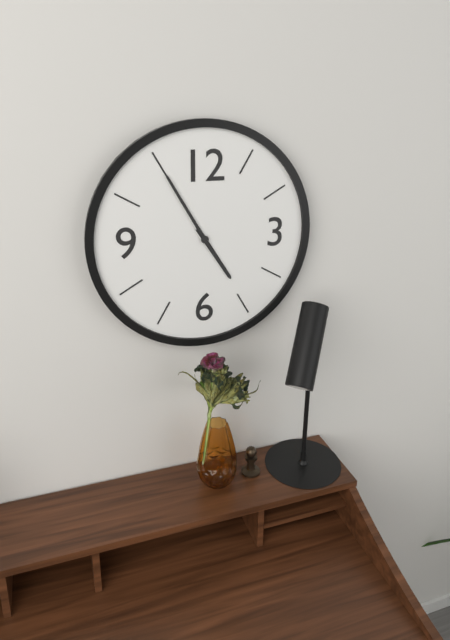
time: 4:55
